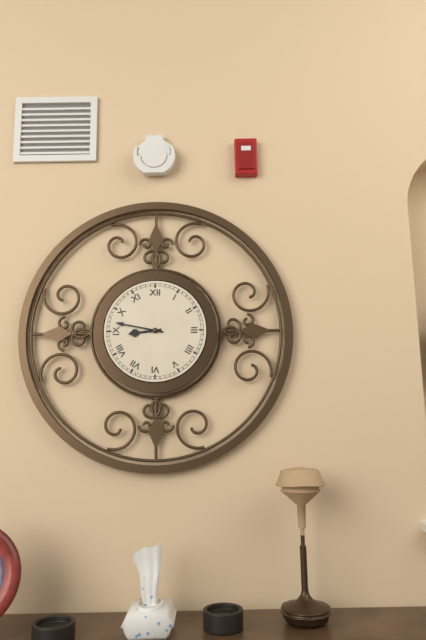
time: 8:47
